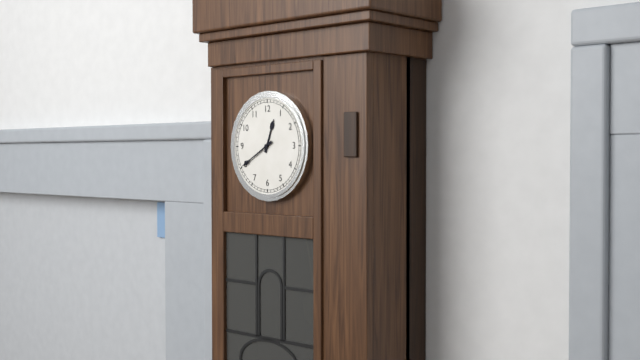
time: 12:40
